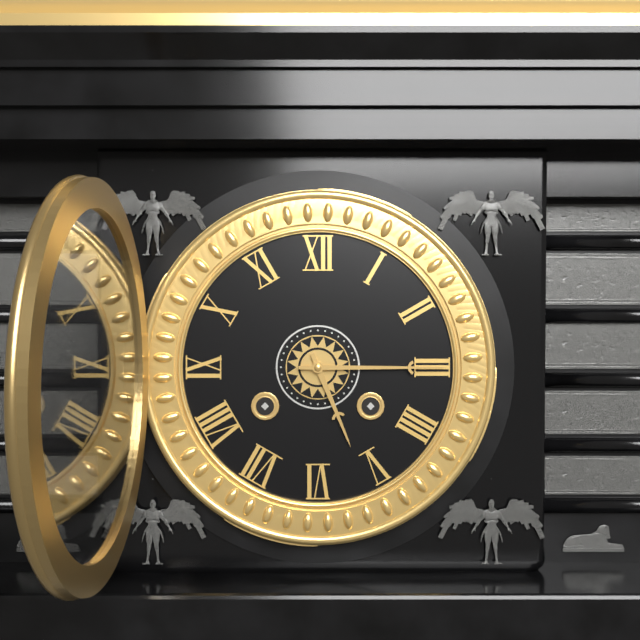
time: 5:15
